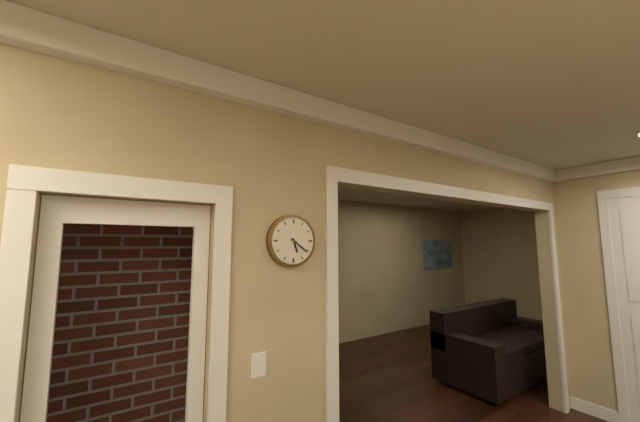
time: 5:21
